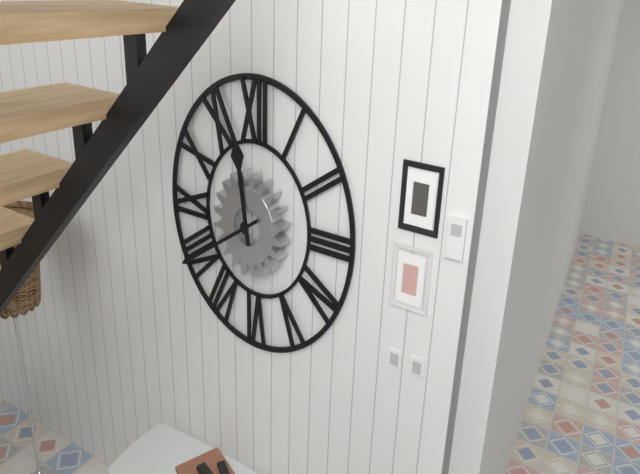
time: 11:40
